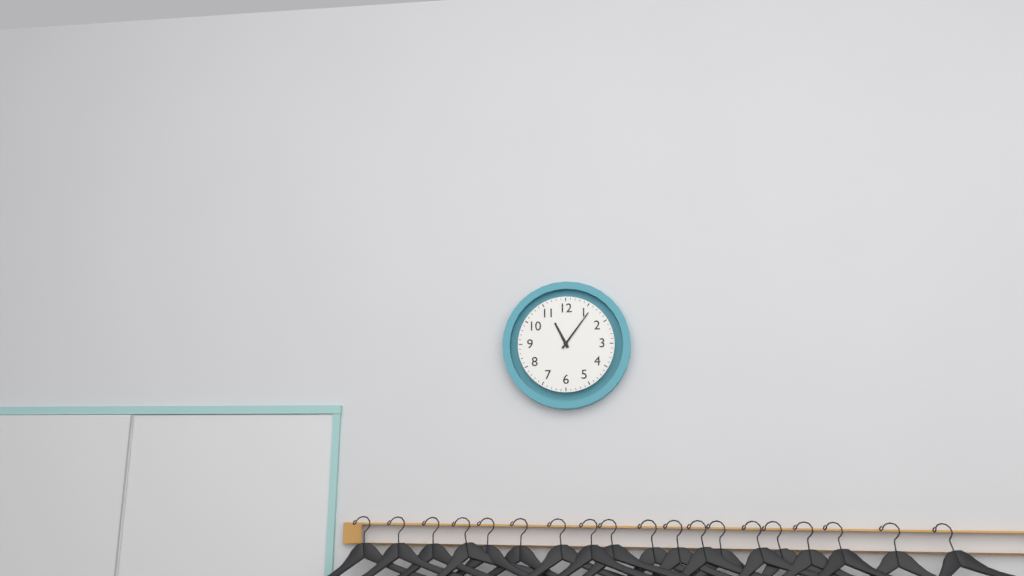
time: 11:06
